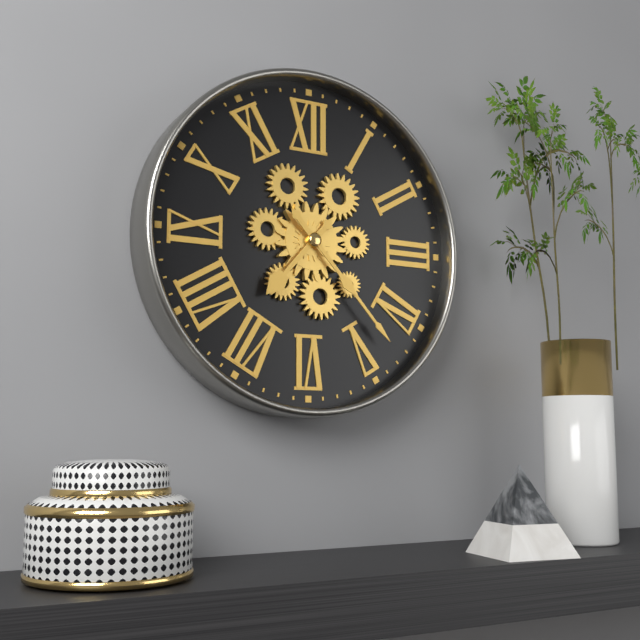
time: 7:23
